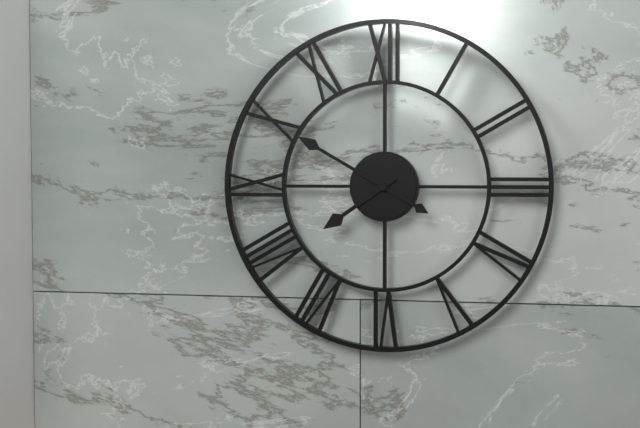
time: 7:50
